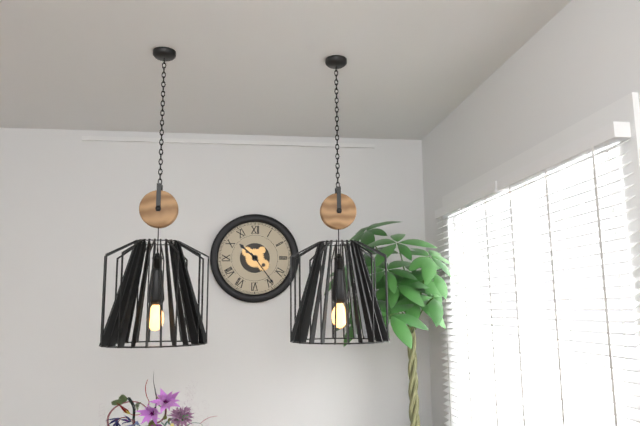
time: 10:24
